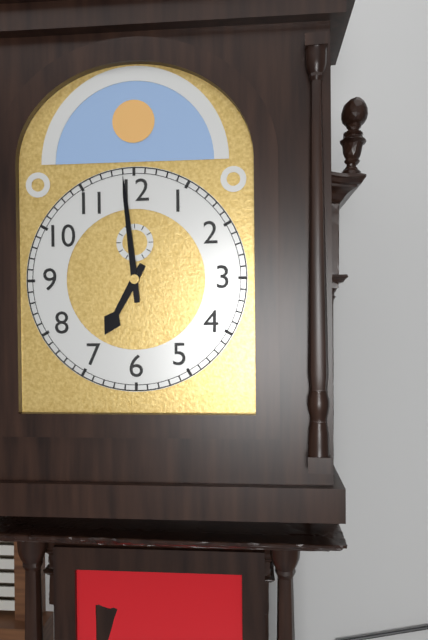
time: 6:59
